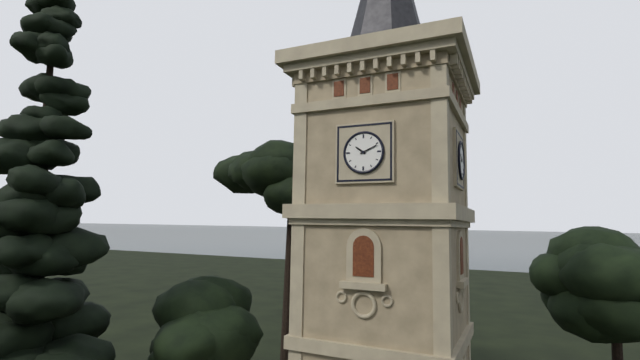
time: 10:11
